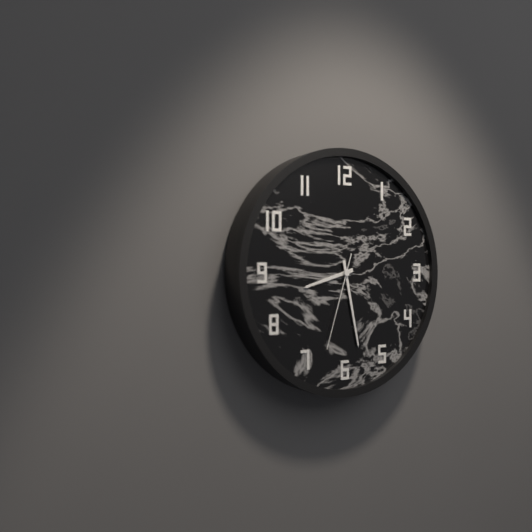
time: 8:28:33
